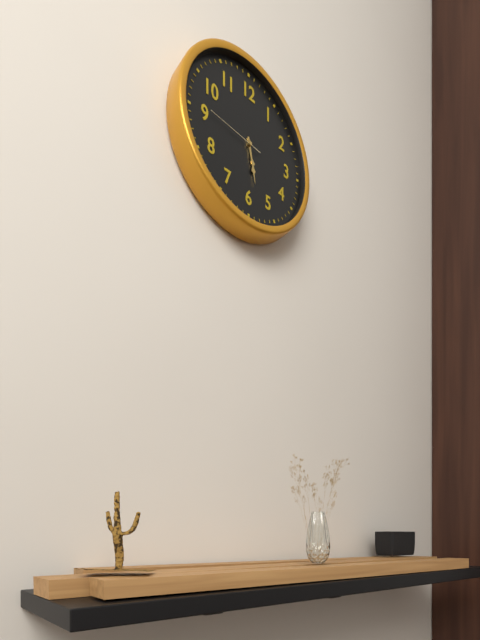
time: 5:28:46
